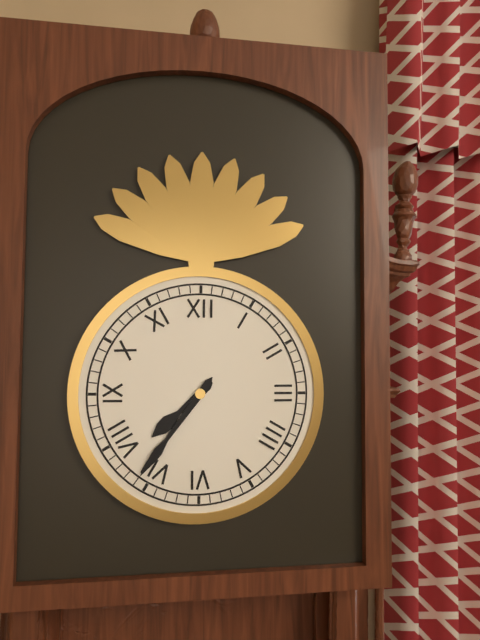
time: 7:36
